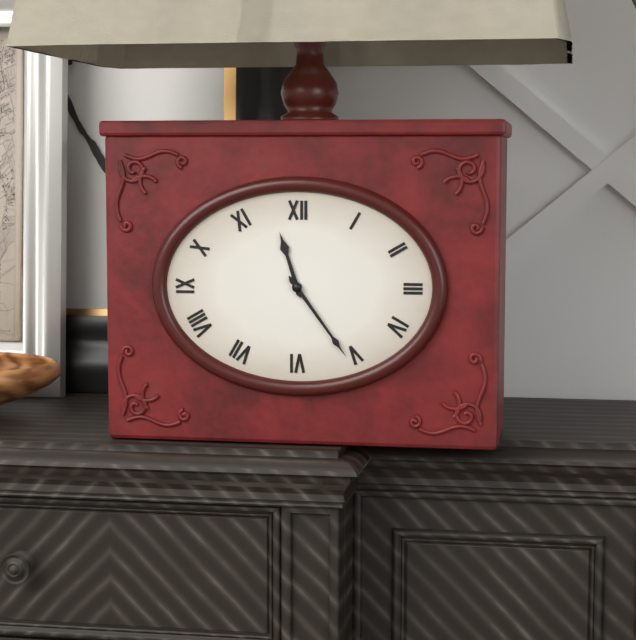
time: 11:24
